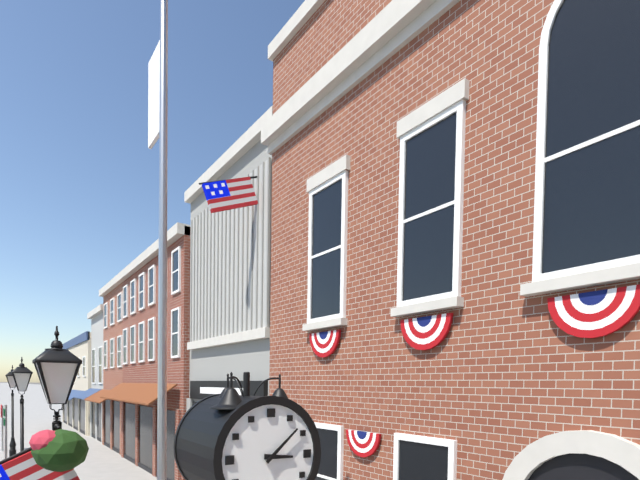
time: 3:08
